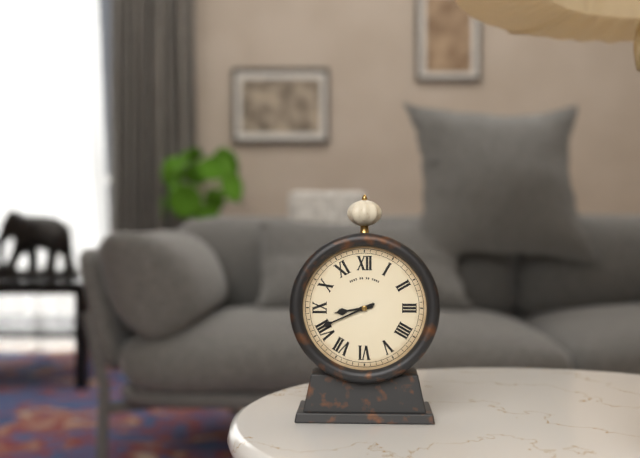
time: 8:41
